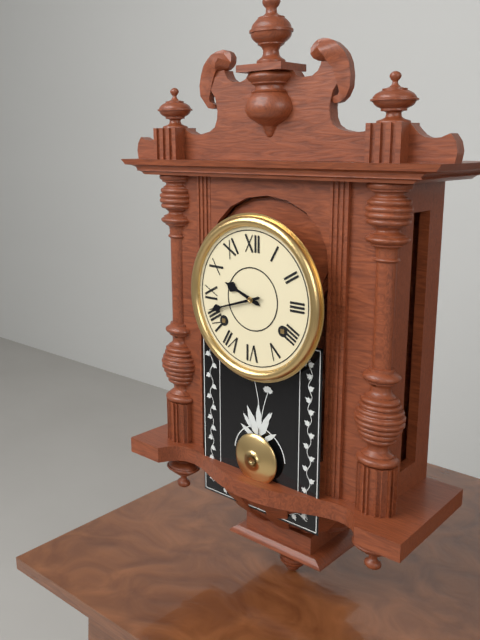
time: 9:42
